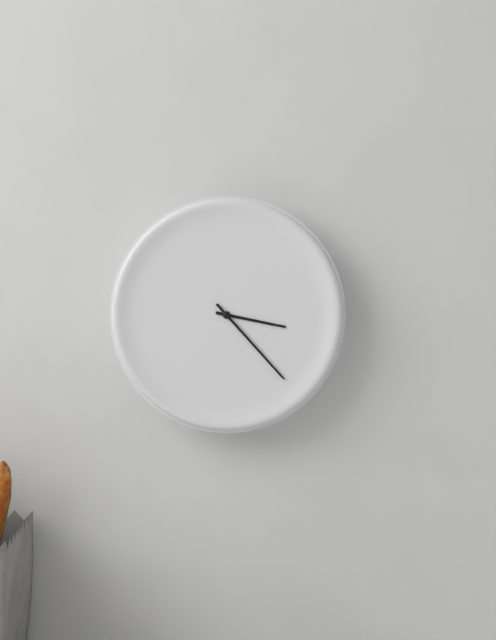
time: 3:23
